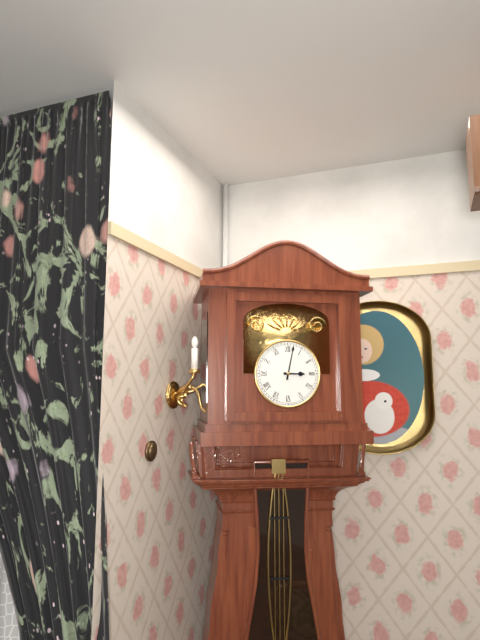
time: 3:02
